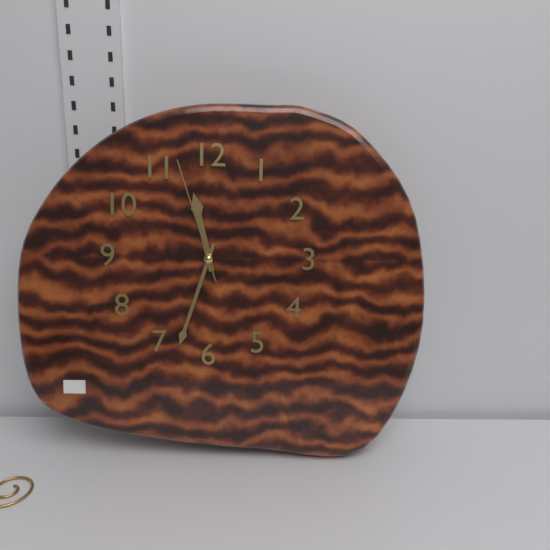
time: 11:33:57
